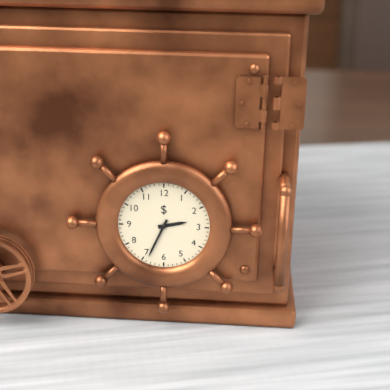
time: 2:34
